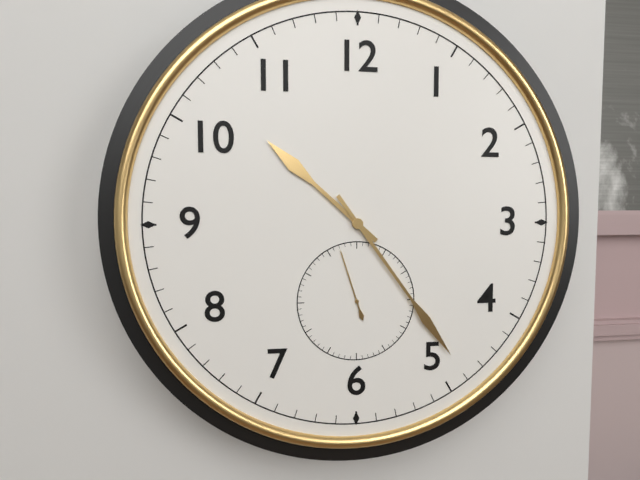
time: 10:24:57
